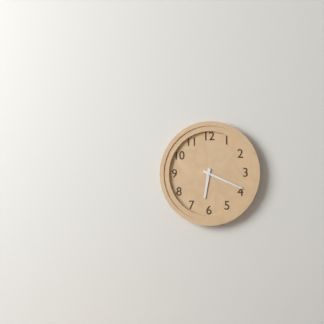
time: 6:19
